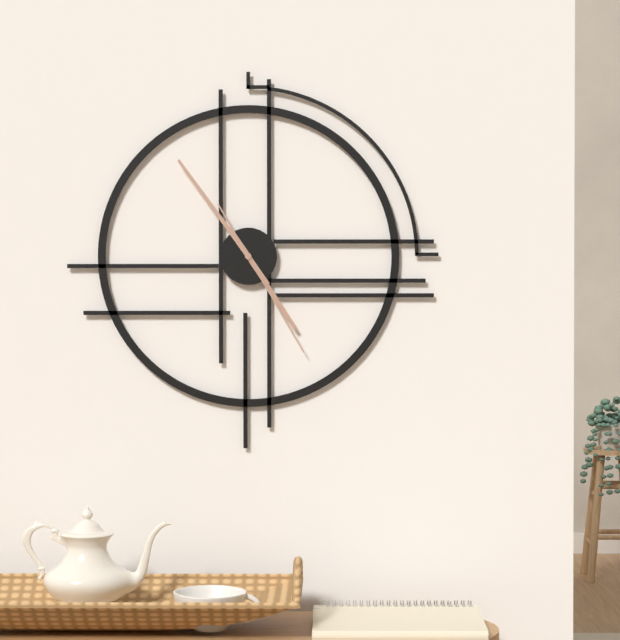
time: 4:54:25
